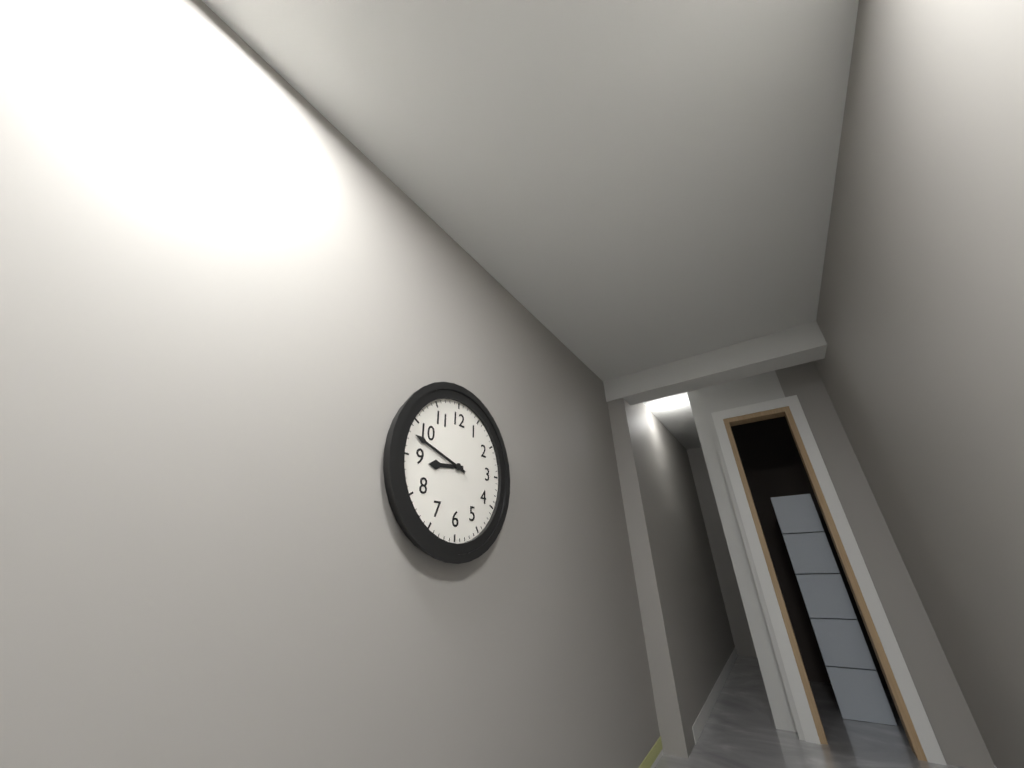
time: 8:48
